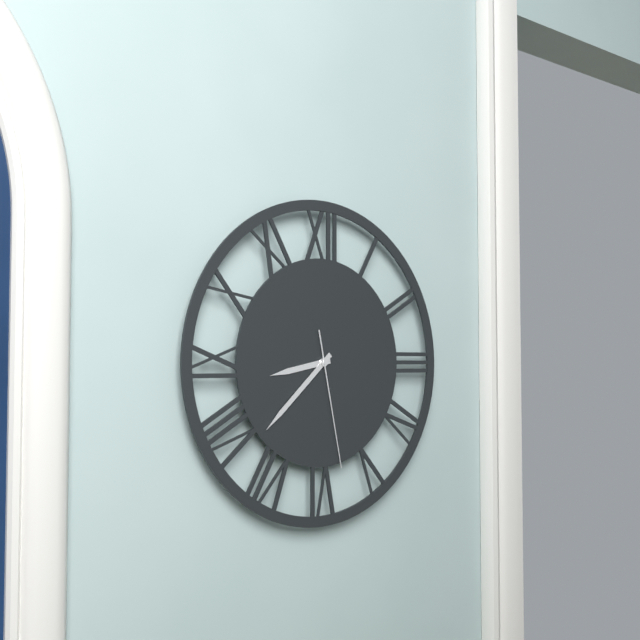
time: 8:38:28
